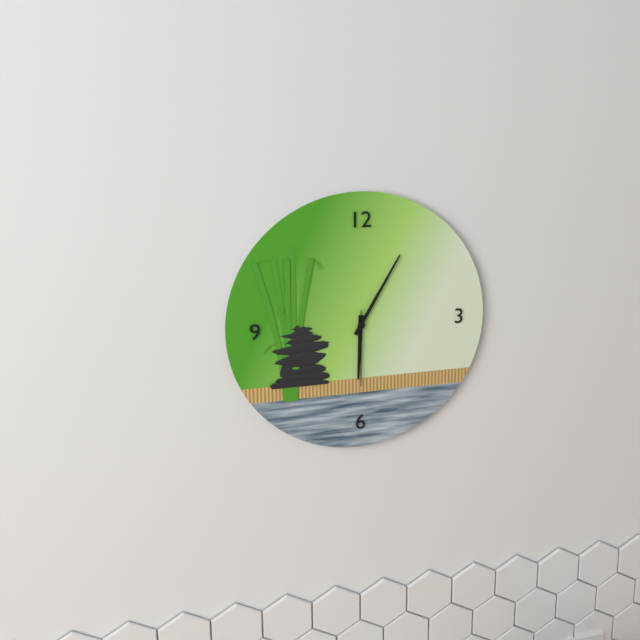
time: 6:05:30
